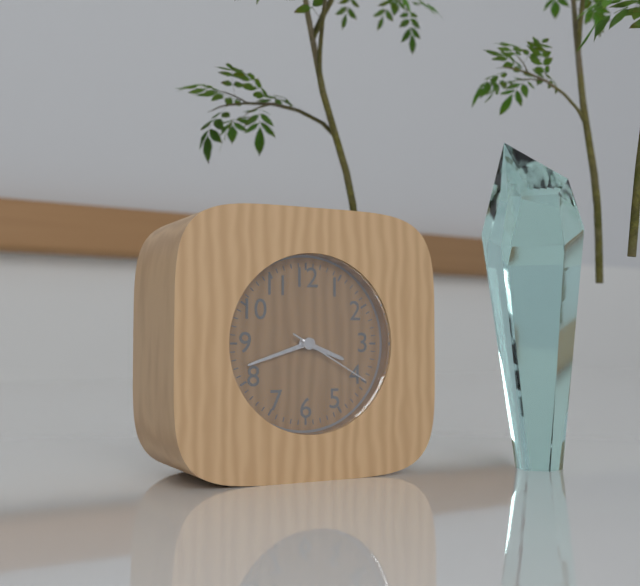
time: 3:42:20
